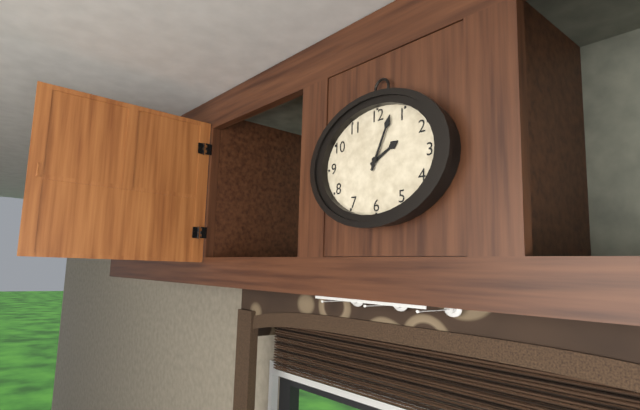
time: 2:04
